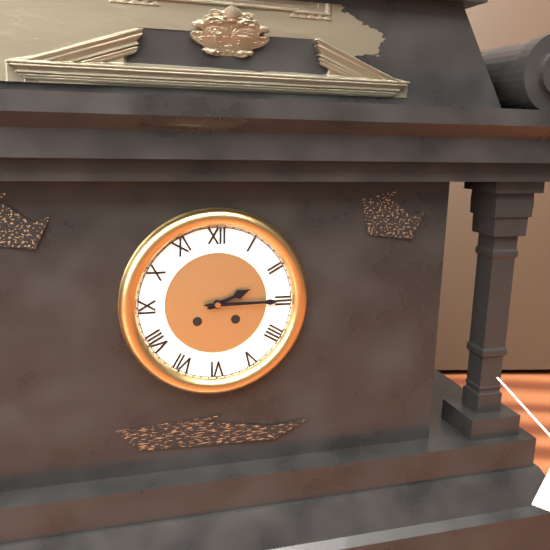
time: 2:15
